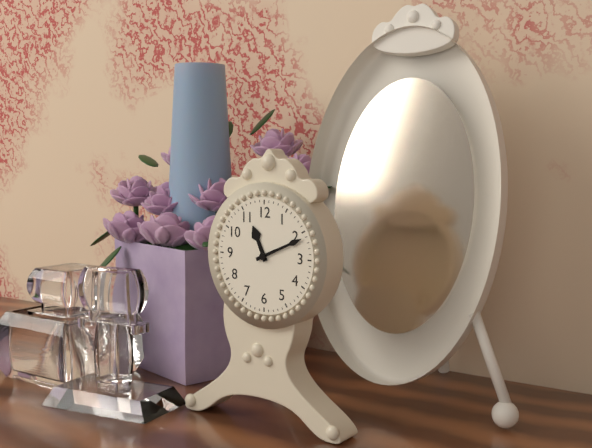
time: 11:11
